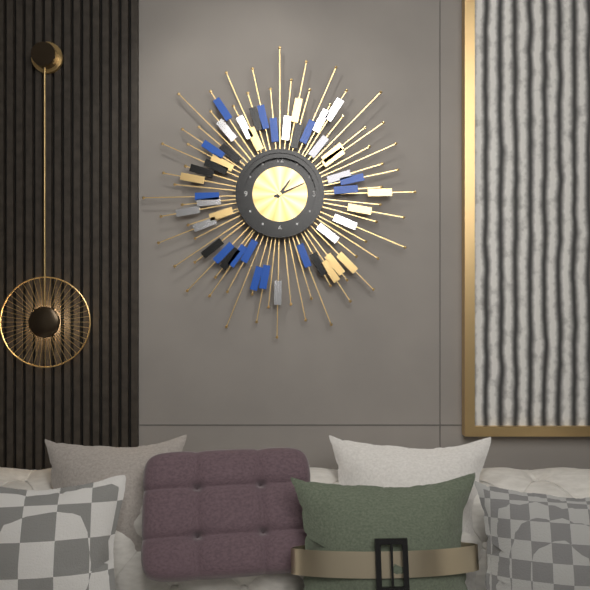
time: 1:11
